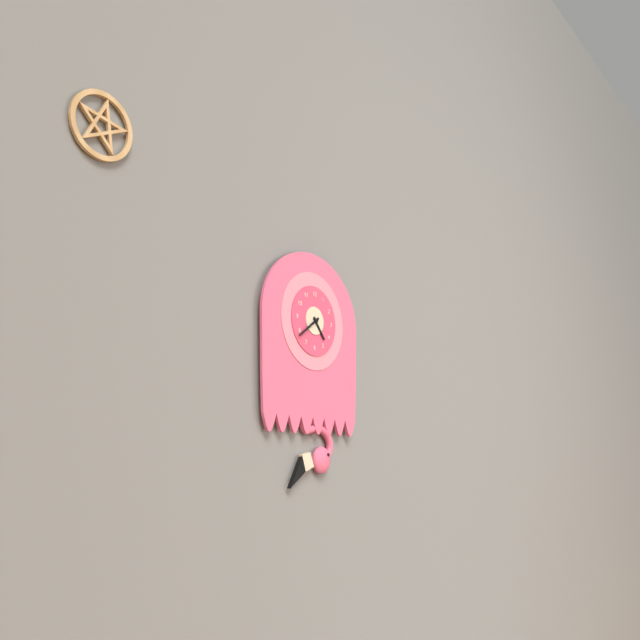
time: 4:39
